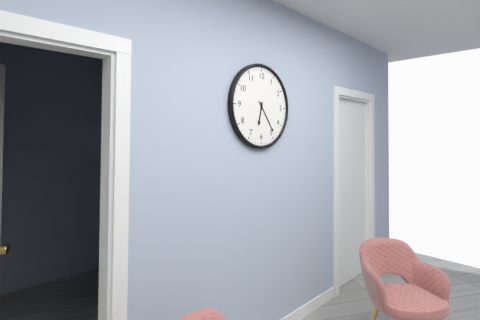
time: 6:24
